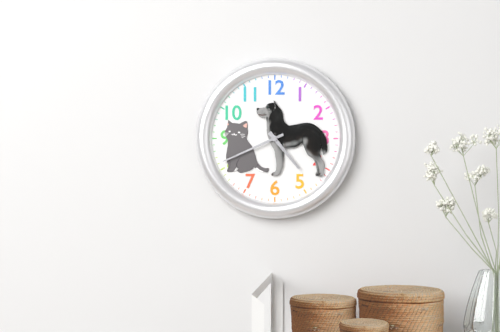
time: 4:41
